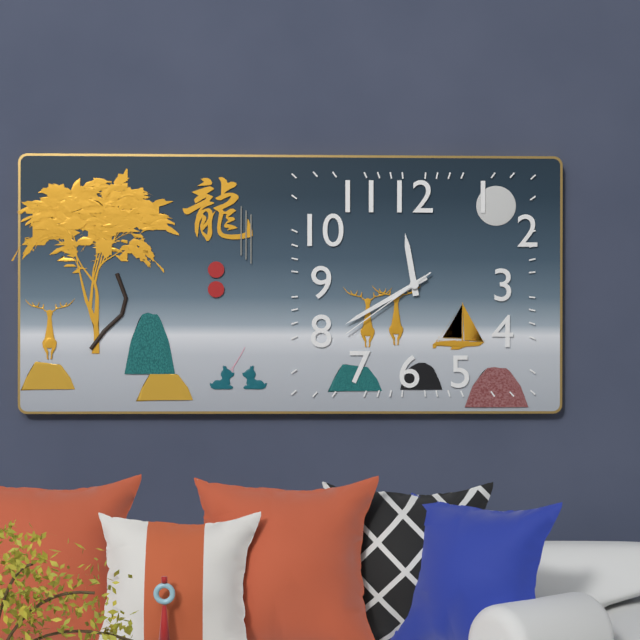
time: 11:40:39
